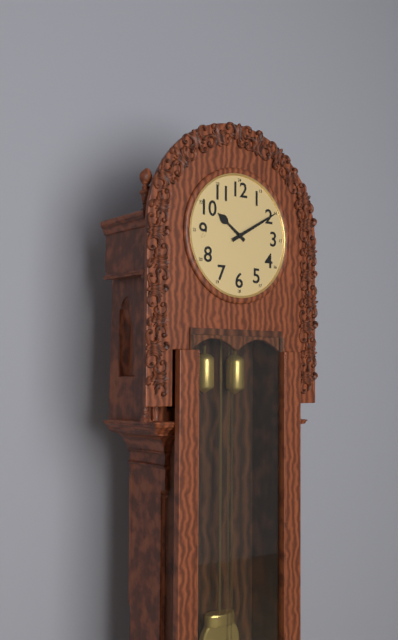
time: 10:10
